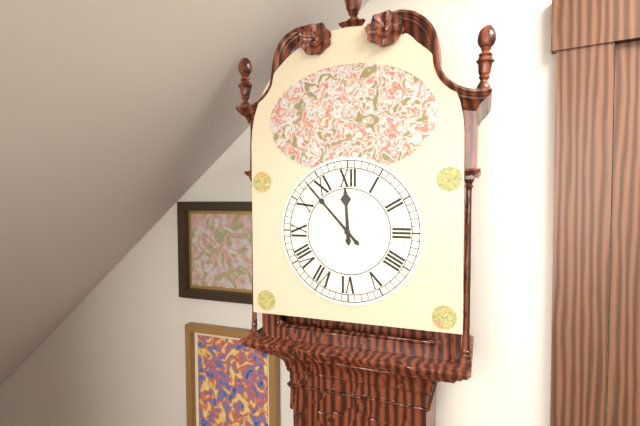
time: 11:53
